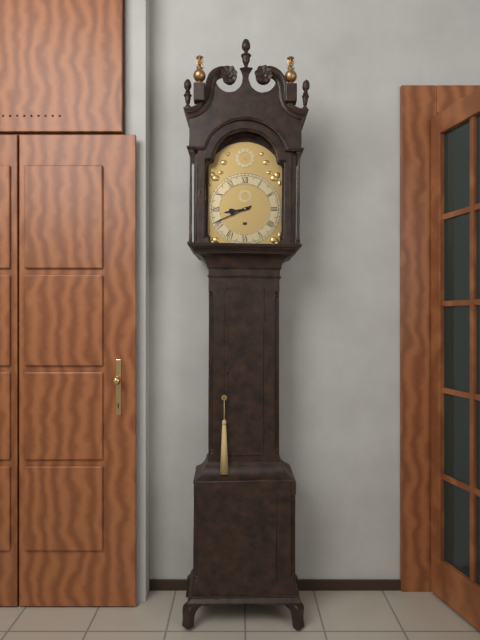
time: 8:41
